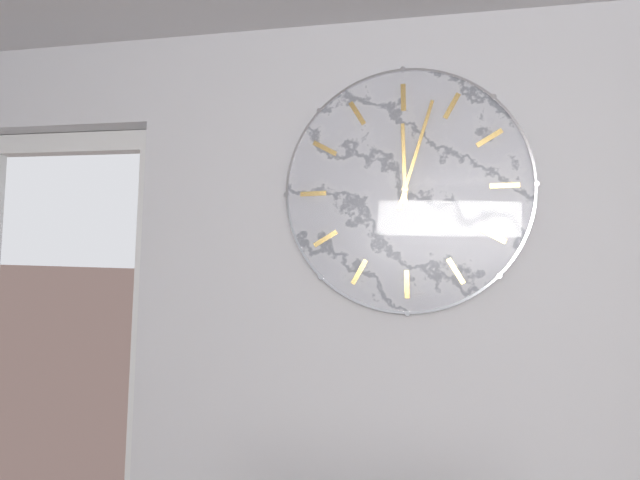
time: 10:58
